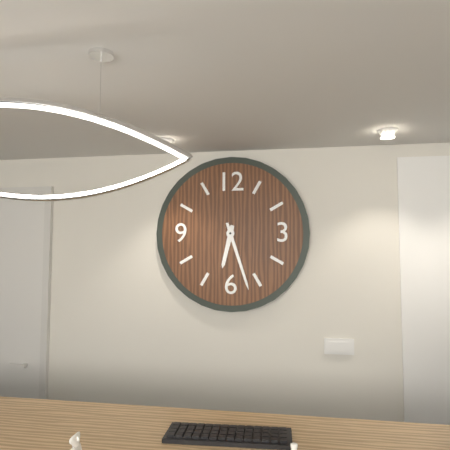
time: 6:27
